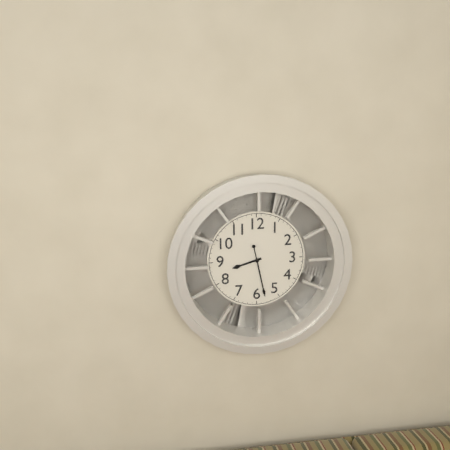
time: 8:28
